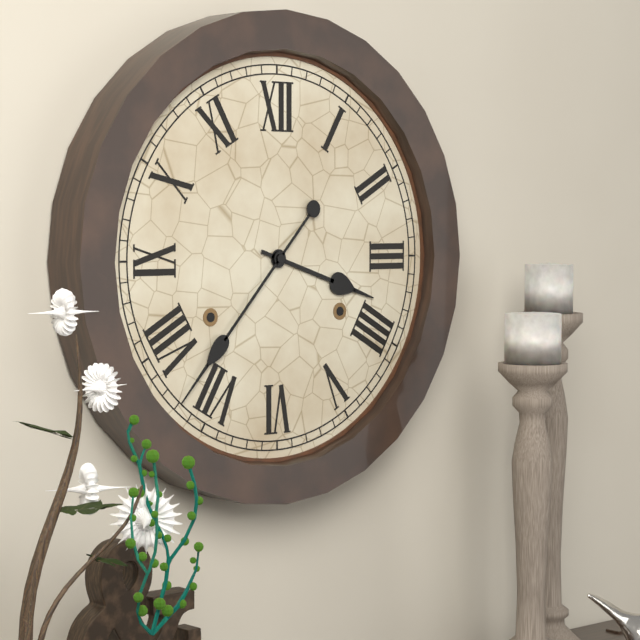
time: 3:37
